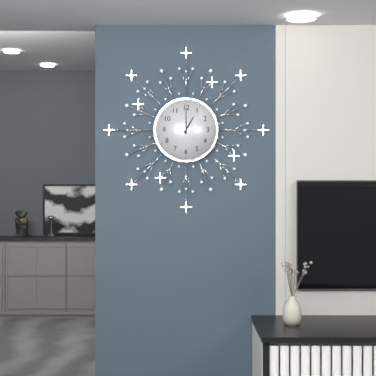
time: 1:00
